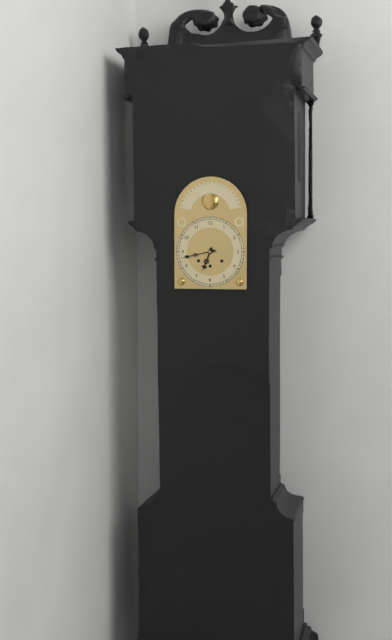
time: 6:43
